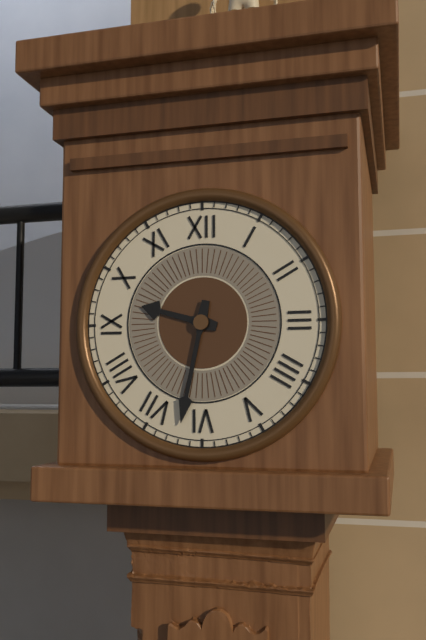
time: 9:32
